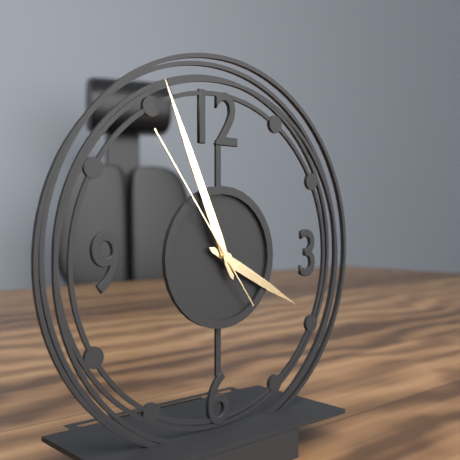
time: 3:56:54
